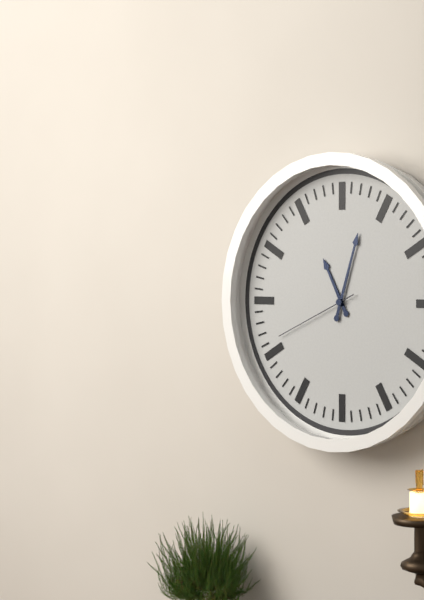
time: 11:03:41
